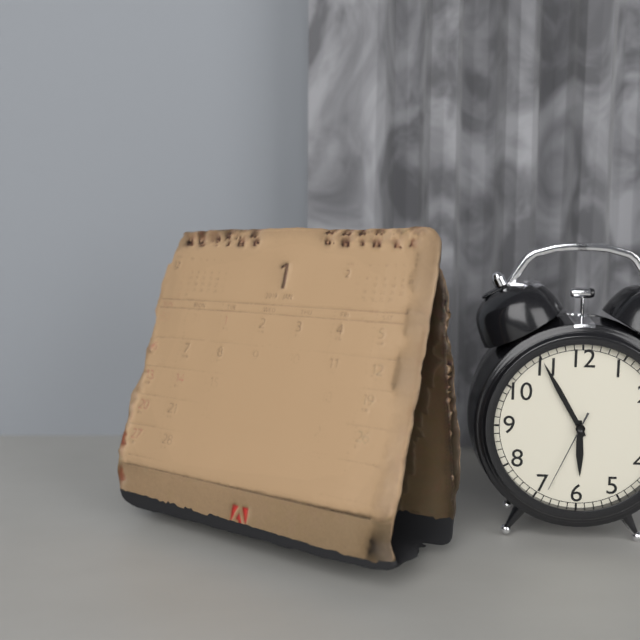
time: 5:55:34
